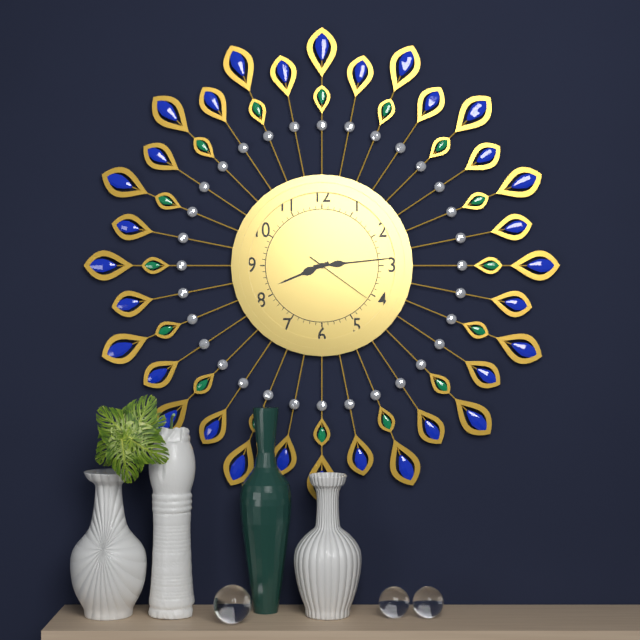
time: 8:14:21
